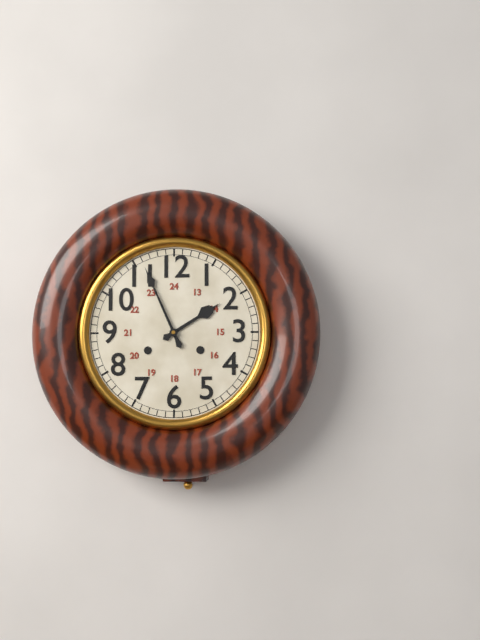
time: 1:56
